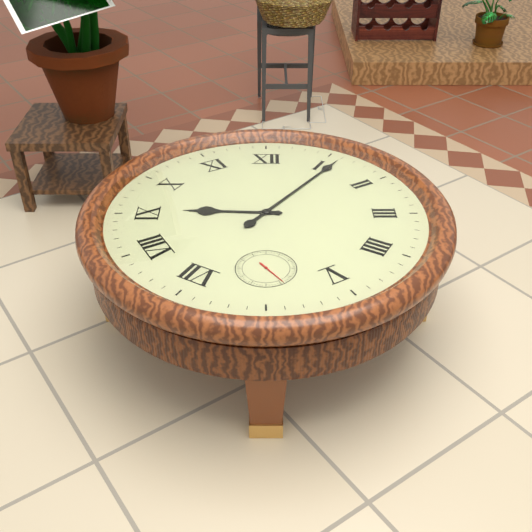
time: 9:06
